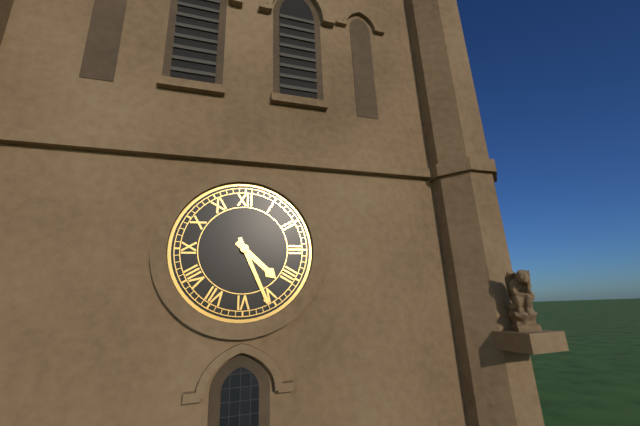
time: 4:26
